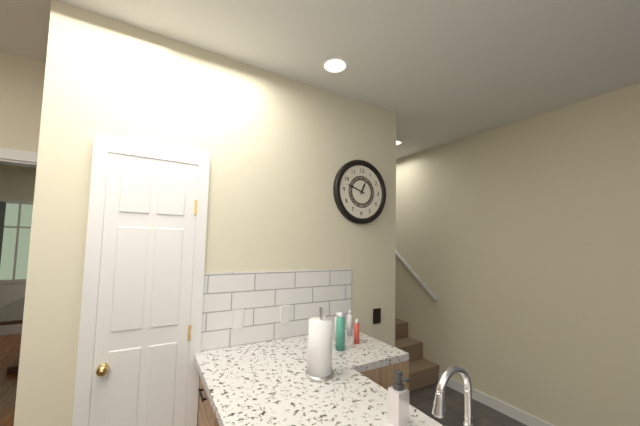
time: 12:48
